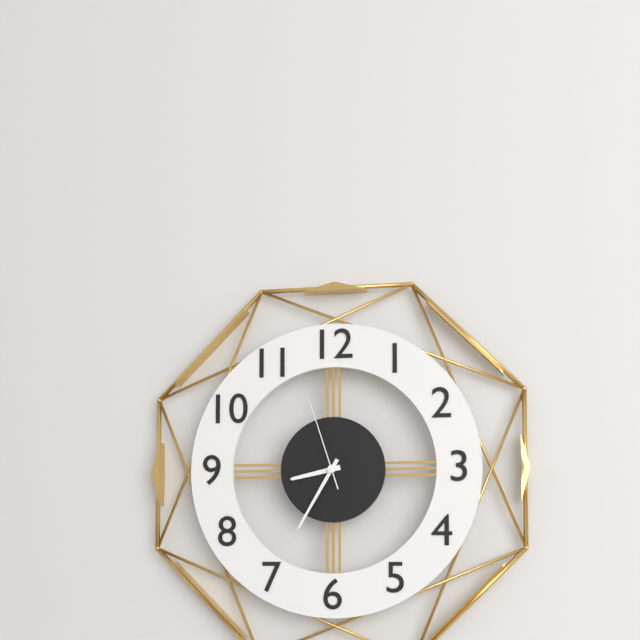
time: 8:35:57
